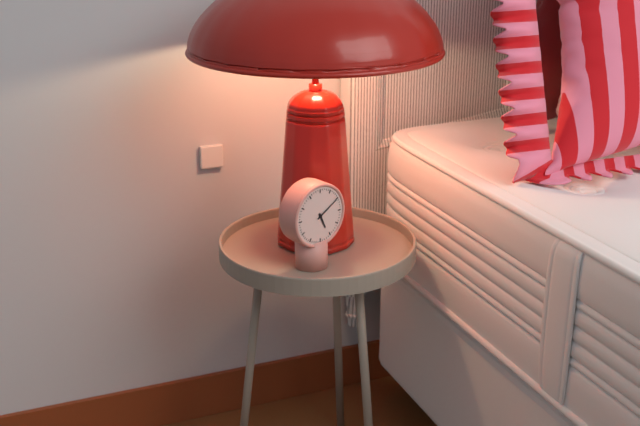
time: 5:10
